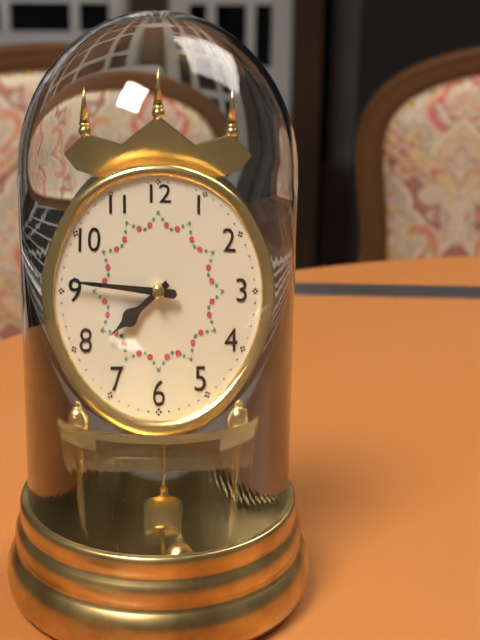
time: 7:46
